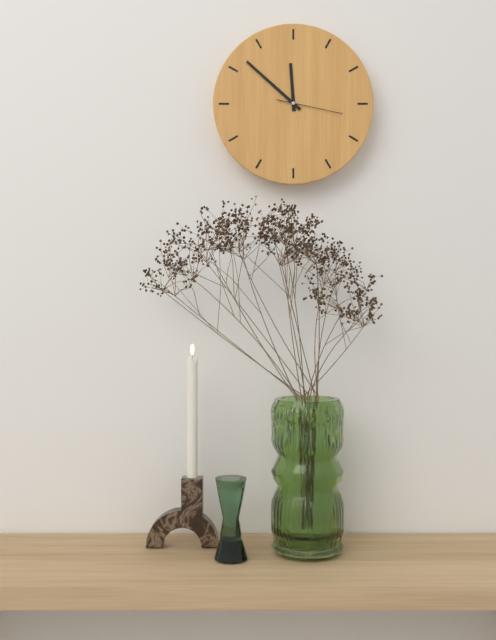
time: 11:52:17
